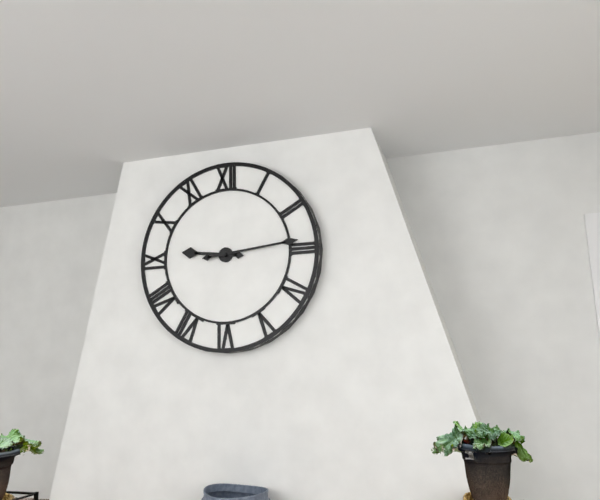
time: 9:14
